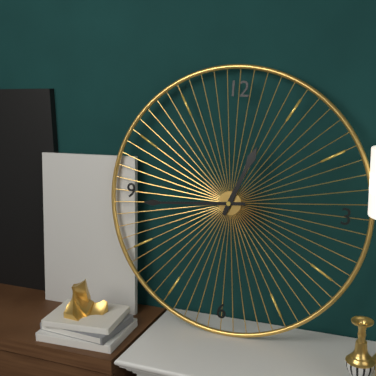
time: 12:44
